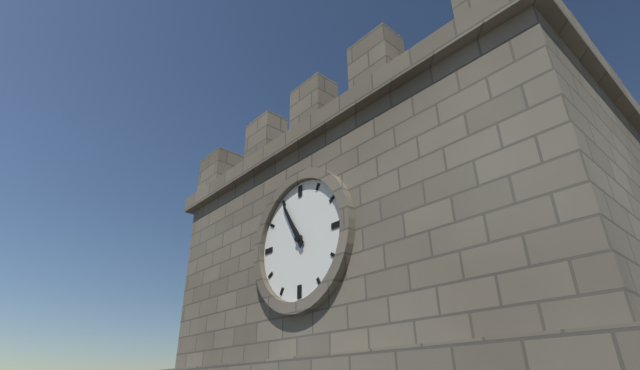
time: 10:55
